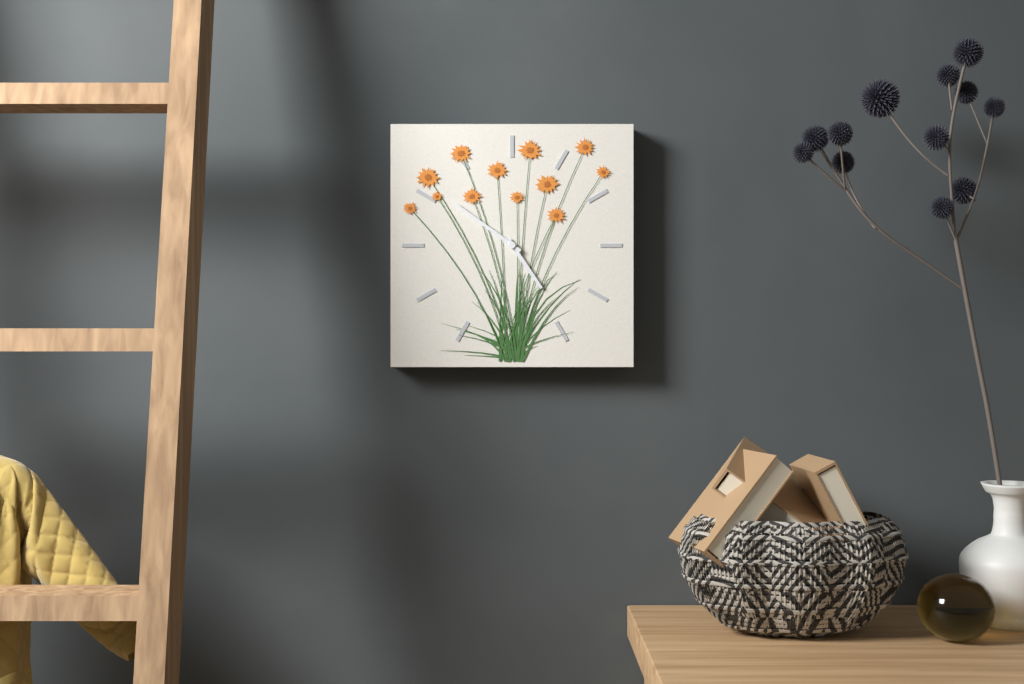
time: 4:51
